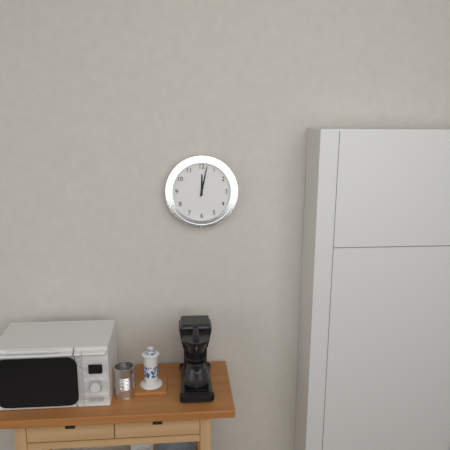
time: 12:02
